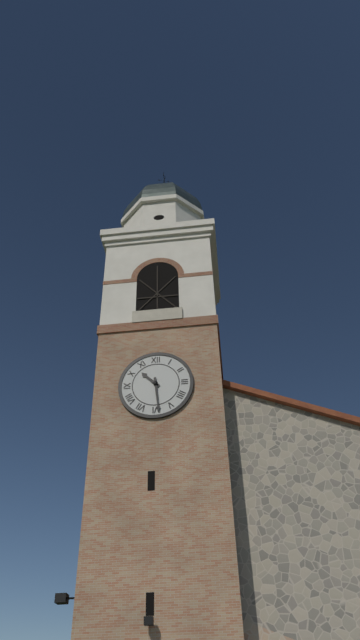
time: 10:29
